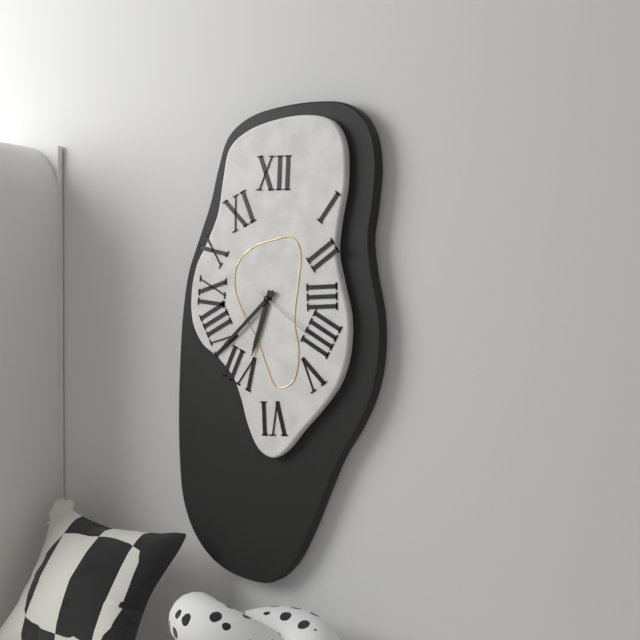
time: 6:38:21
